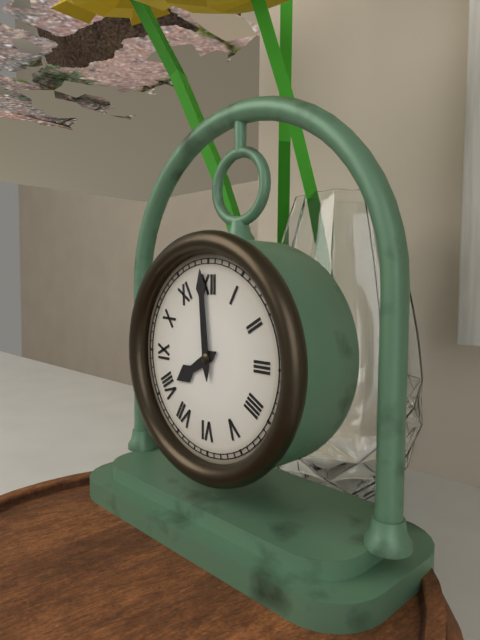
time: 7:59
